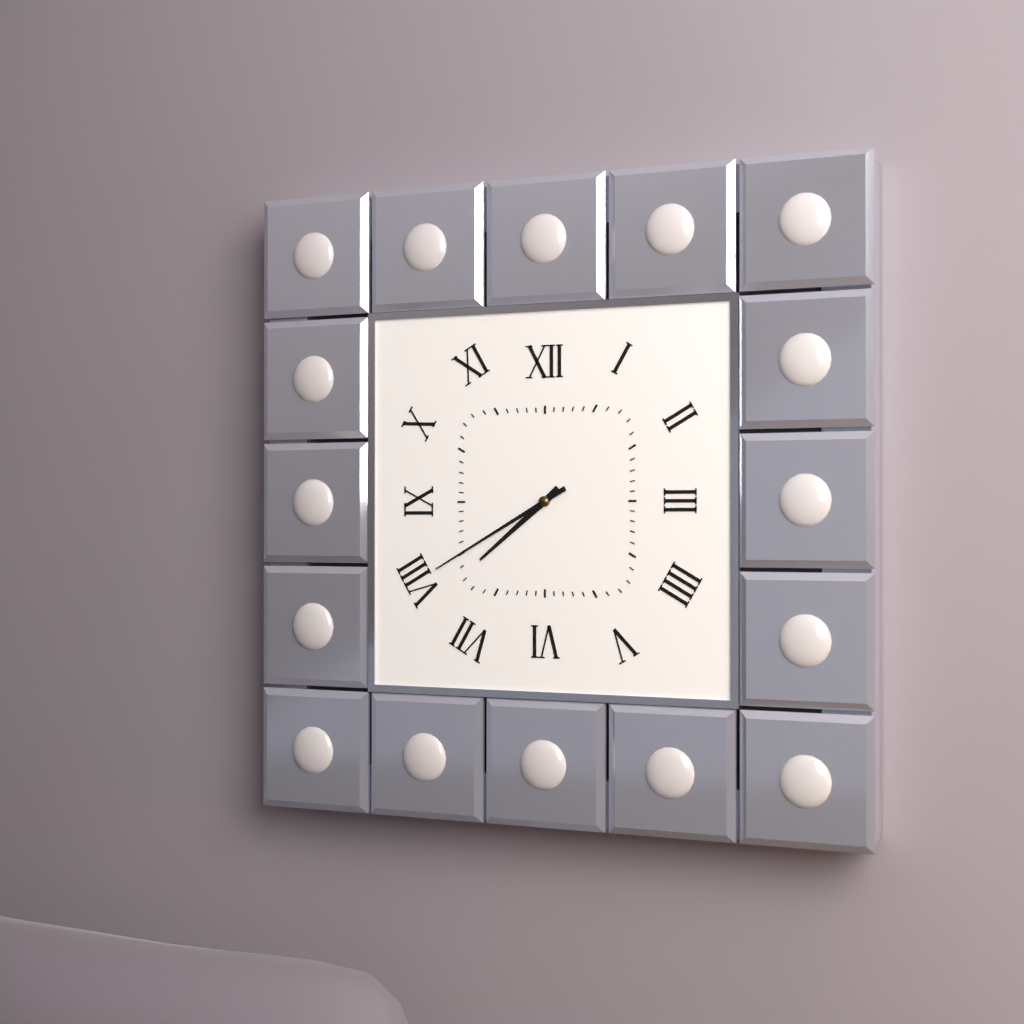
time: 7:40
